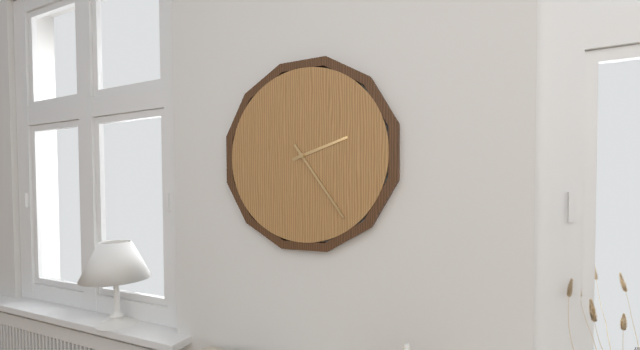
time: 2:24
